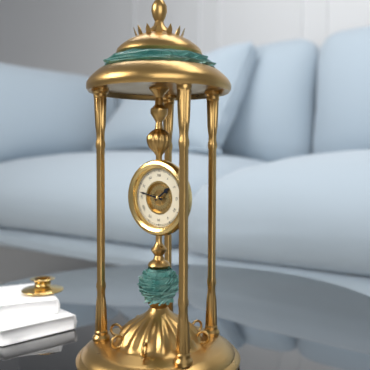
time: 1:47
